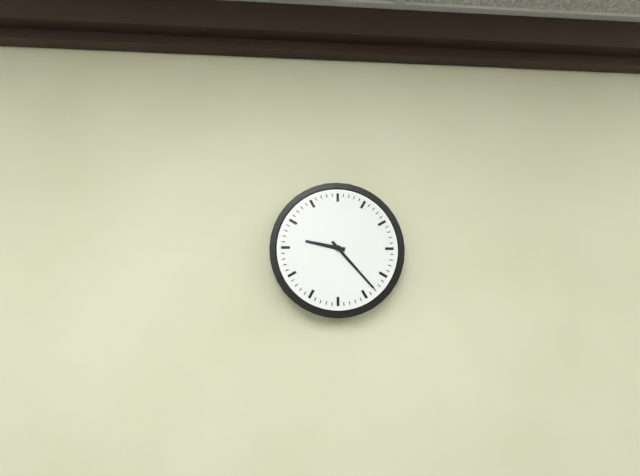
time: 9:23
